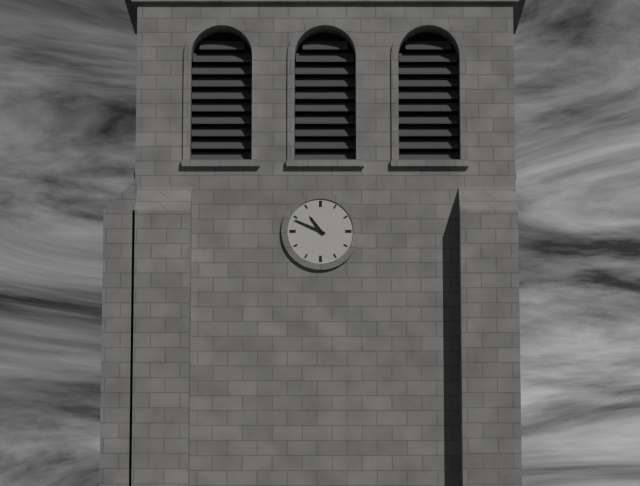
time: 10:49
